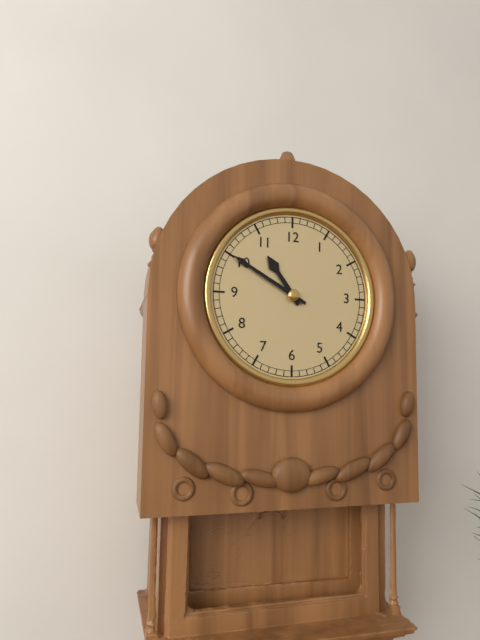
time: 10:50
